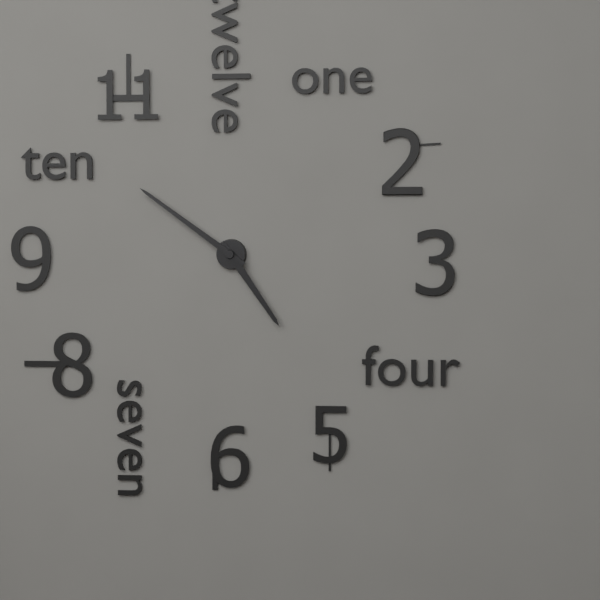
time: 4:51
